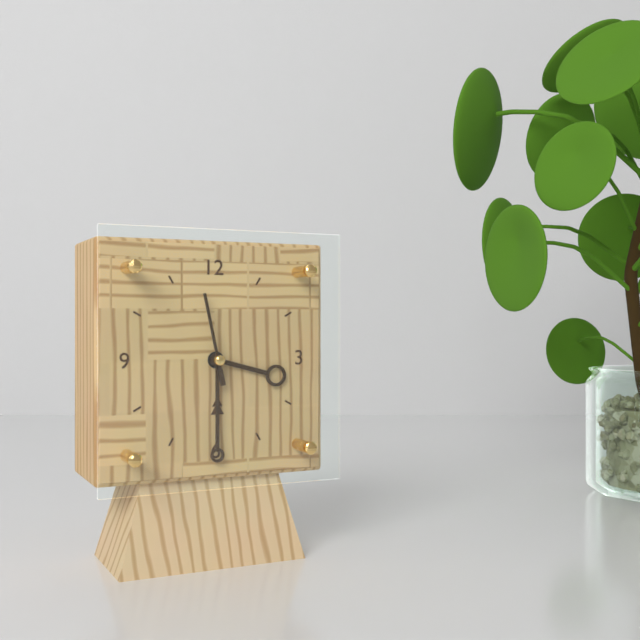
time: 3:30:58
